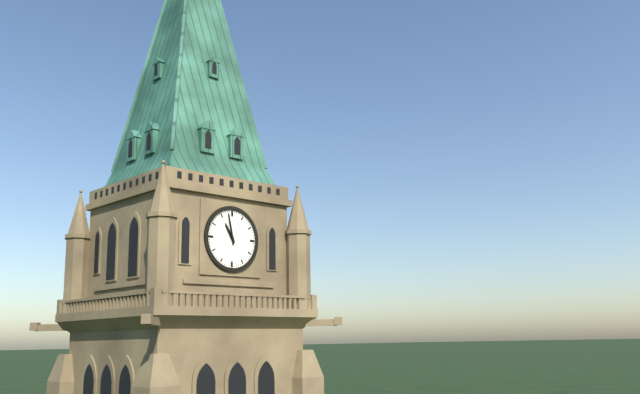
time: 10:58
